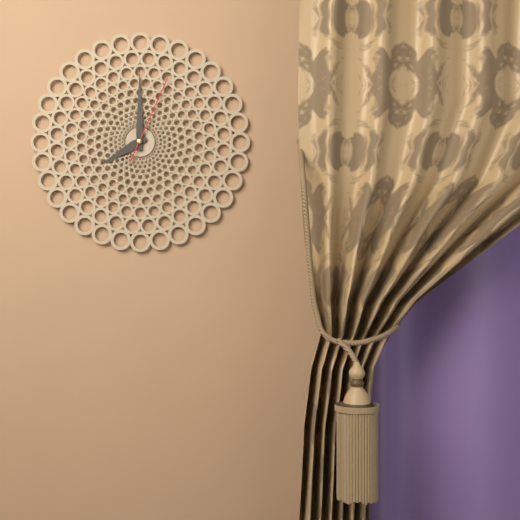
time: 8:00:04
